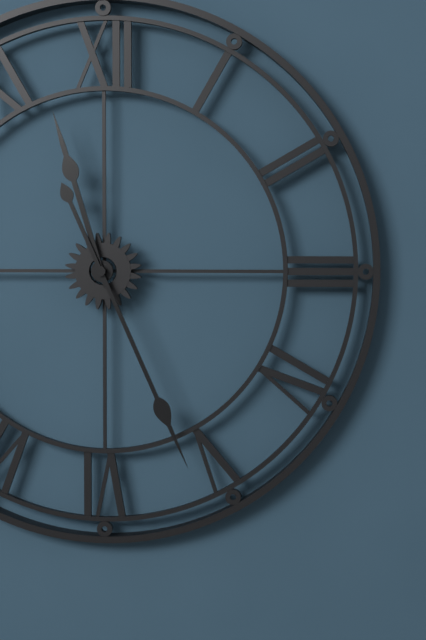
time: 11:26
